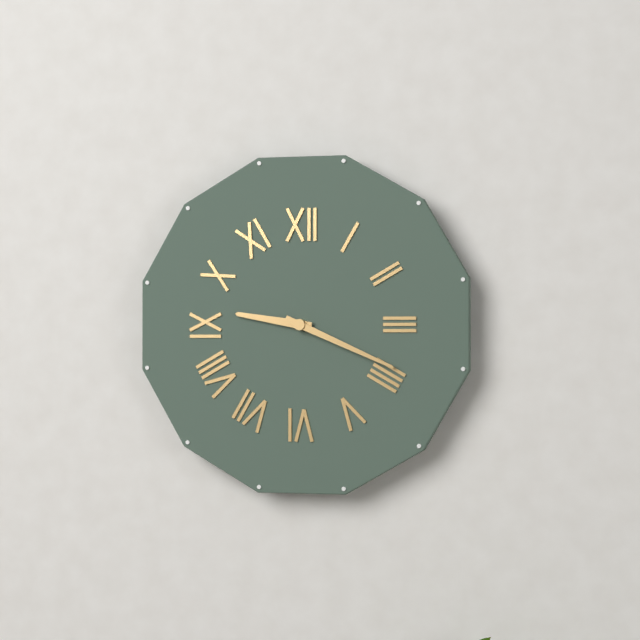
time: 9:19
